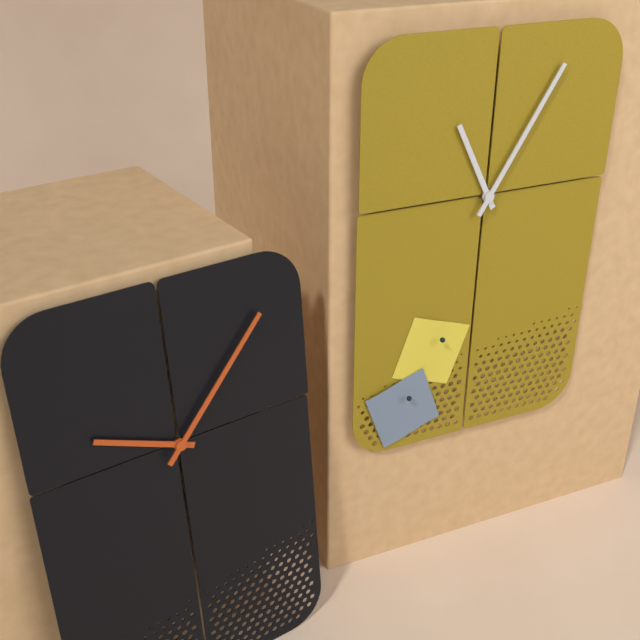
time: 11:05
